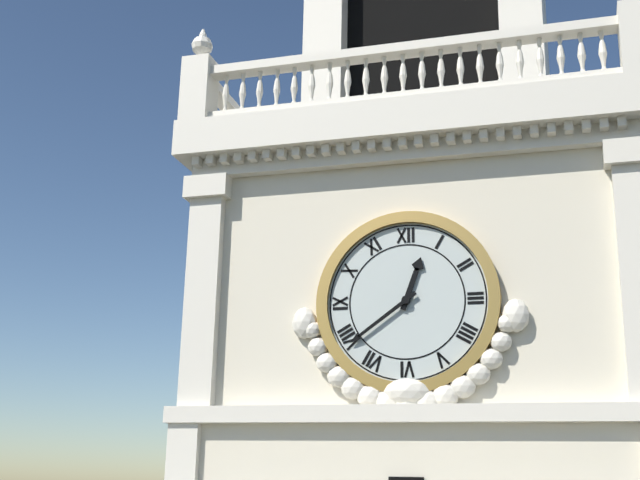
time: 12:39
